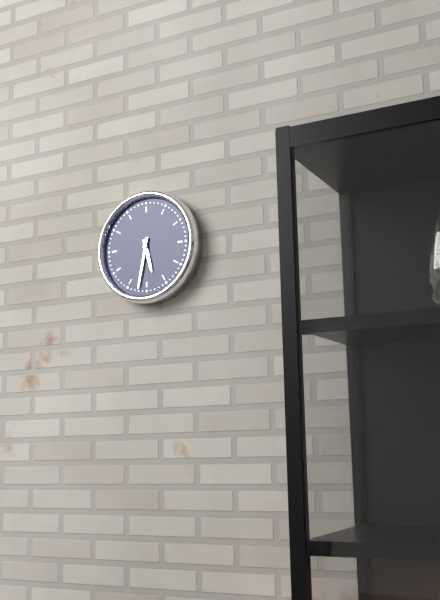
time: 5:32
